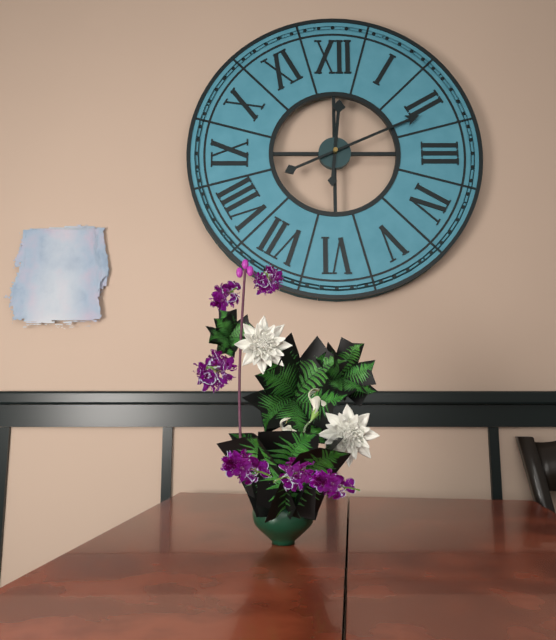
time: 12:11
